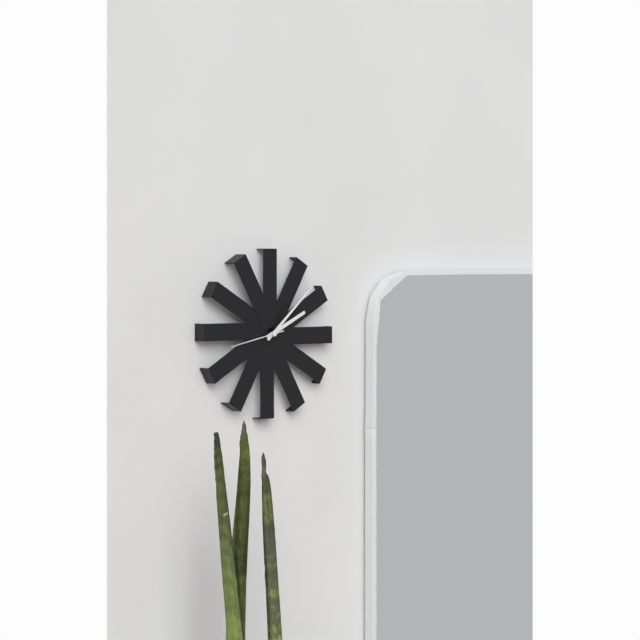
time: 2:08:43
